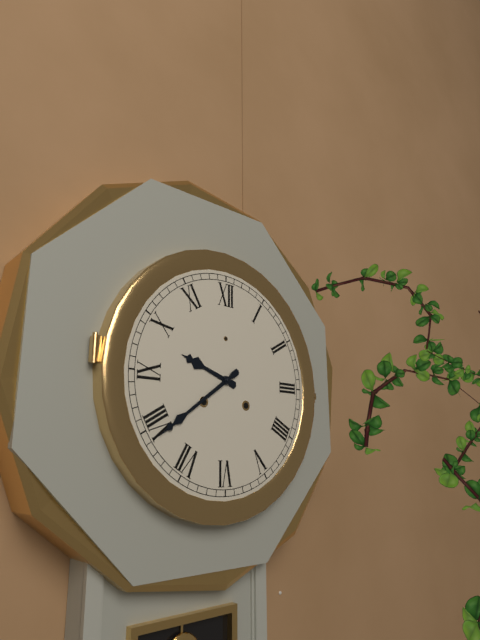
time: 9:39
